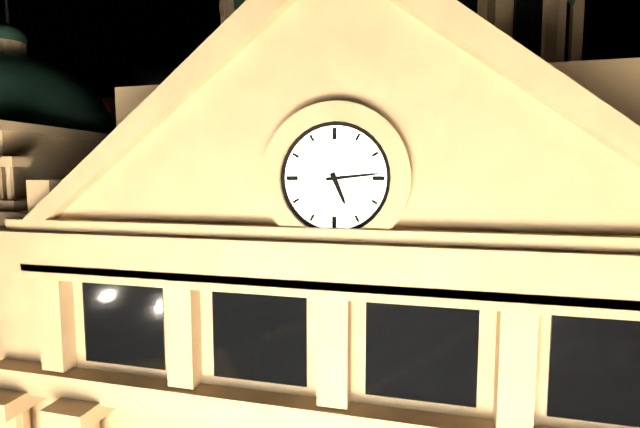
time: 5:14
